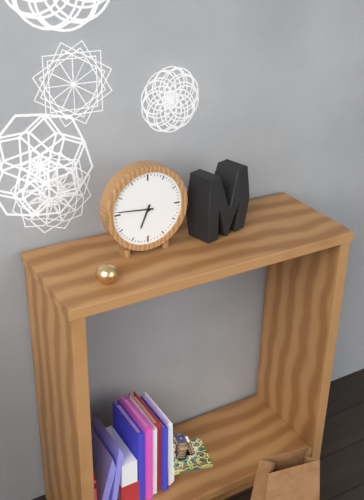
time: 6:46
